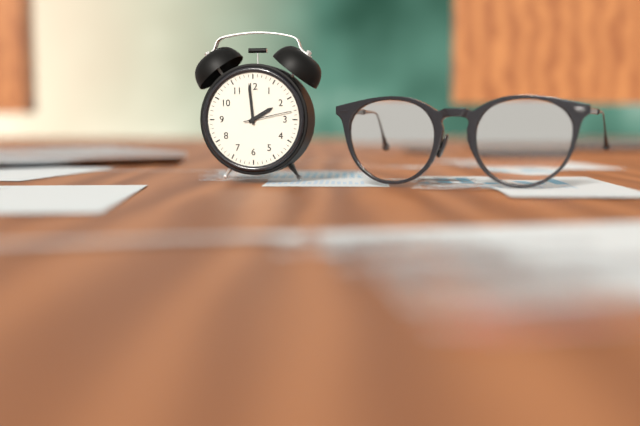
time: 1:59
